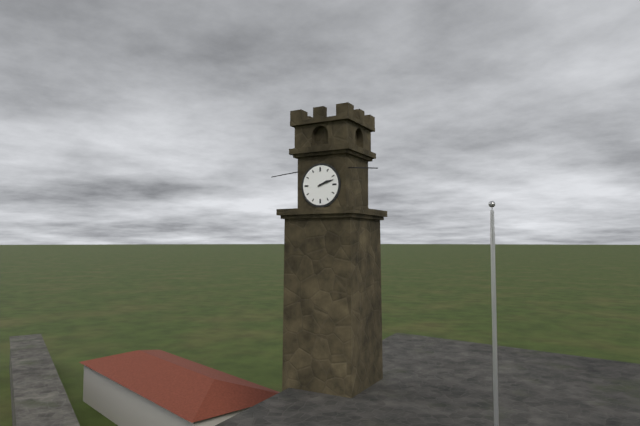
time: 2:12
